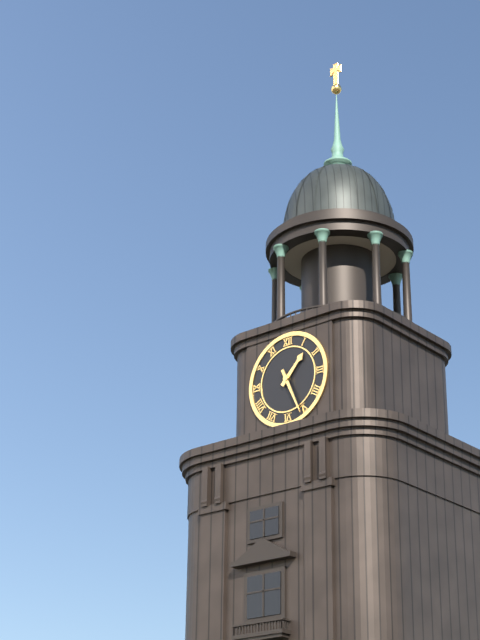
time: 1:26
